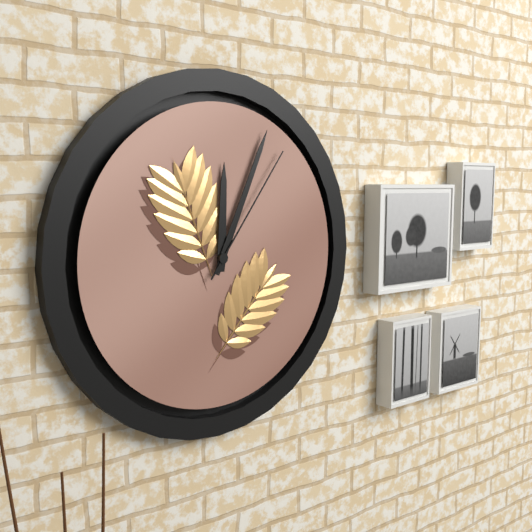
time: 12:04:06
